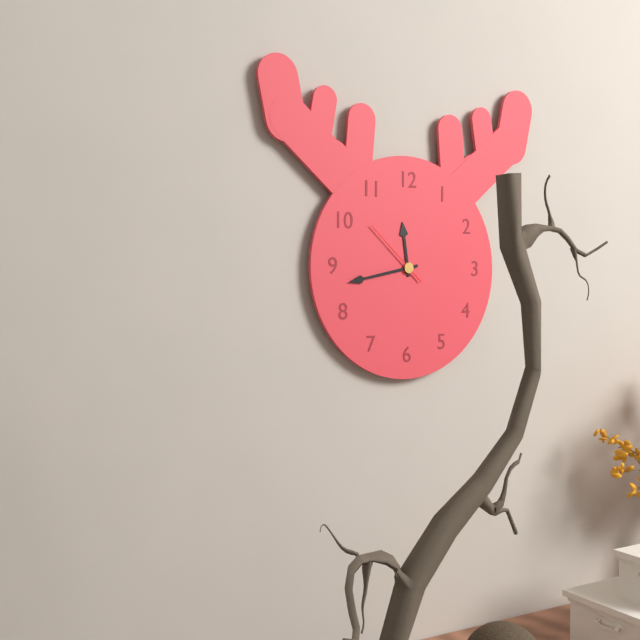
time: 11:43:52
